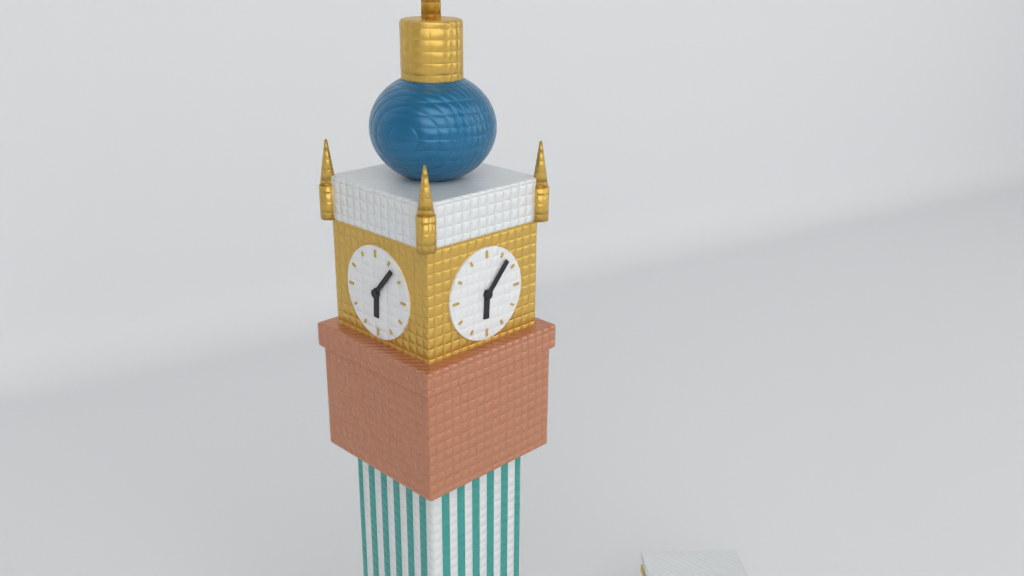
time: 6:07
